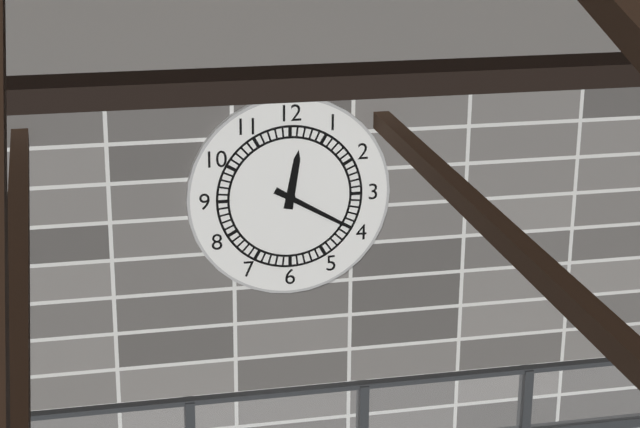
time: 12:20
